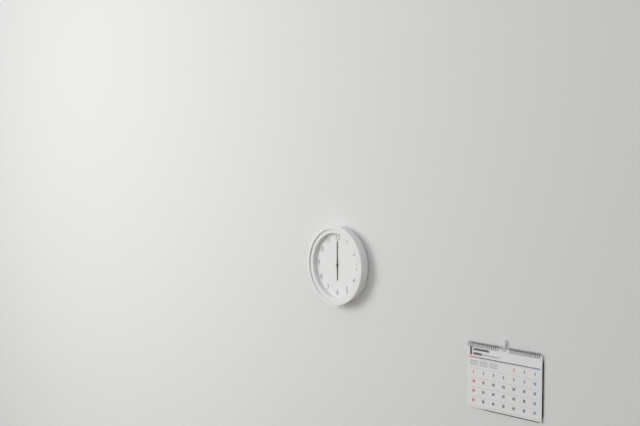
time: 6:00
